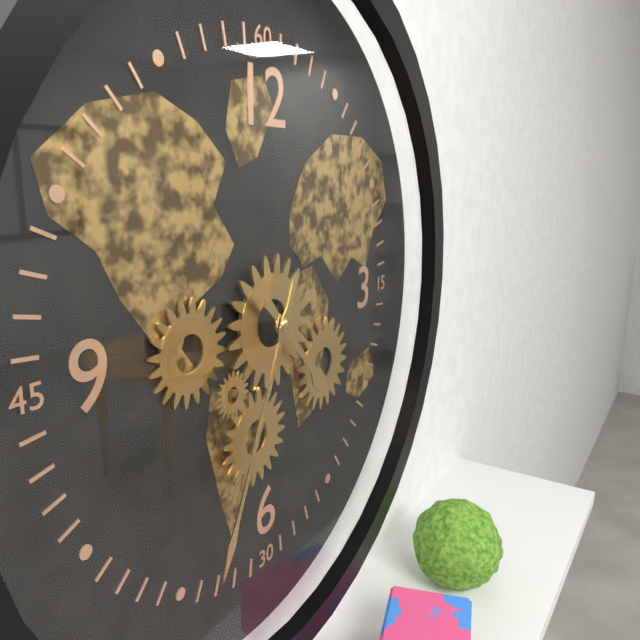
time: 4:34
